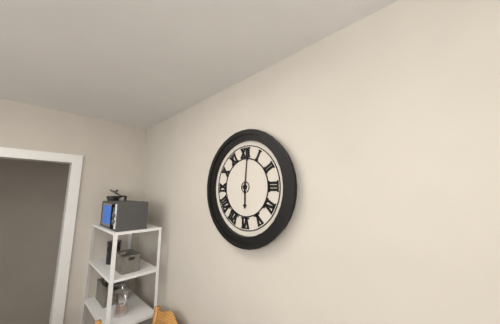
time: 6:01
